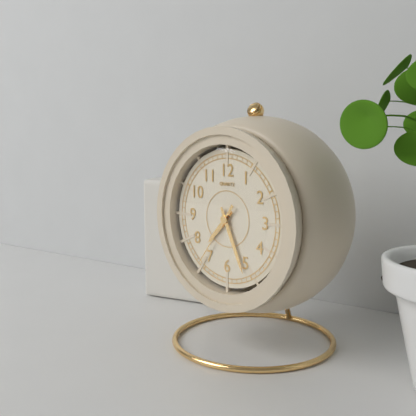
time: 7:26:36
